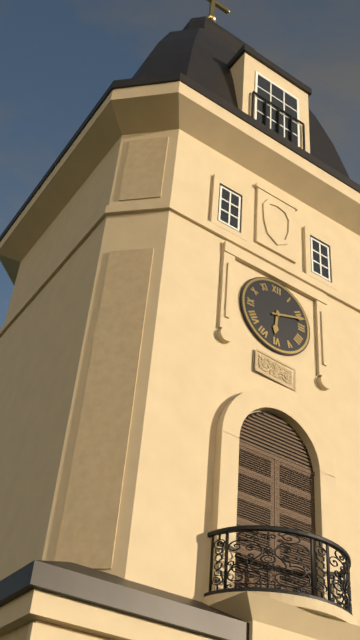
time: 6:12
